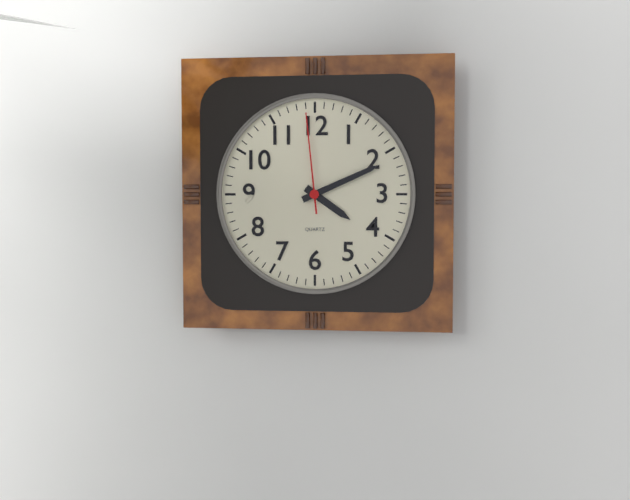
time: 4:11:59
